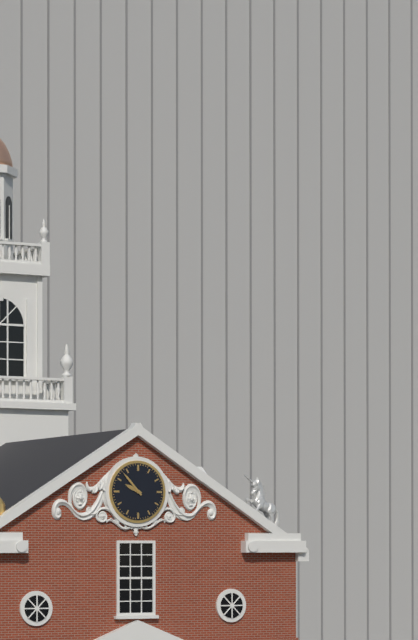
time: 9:53
